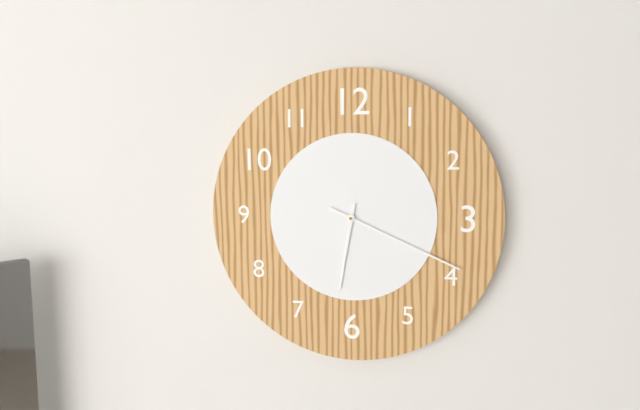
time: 6:19
